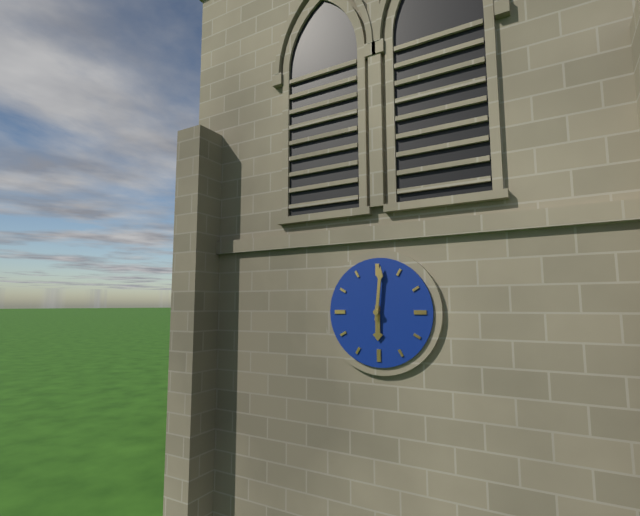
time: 6:01
